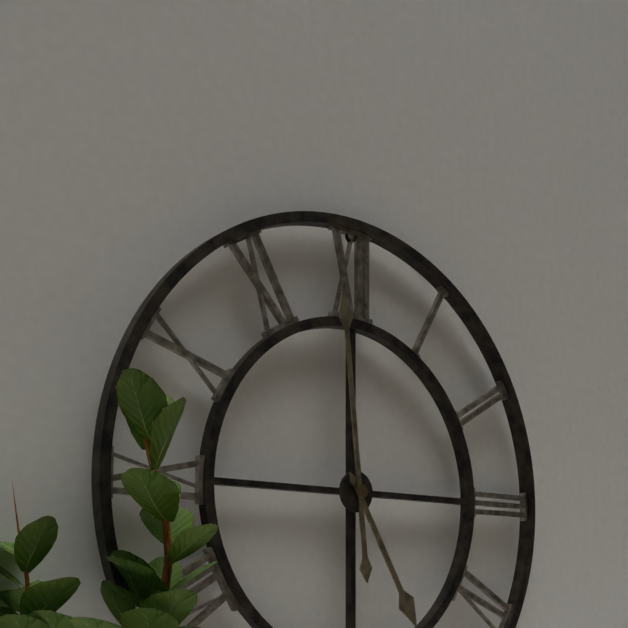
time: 4:59
